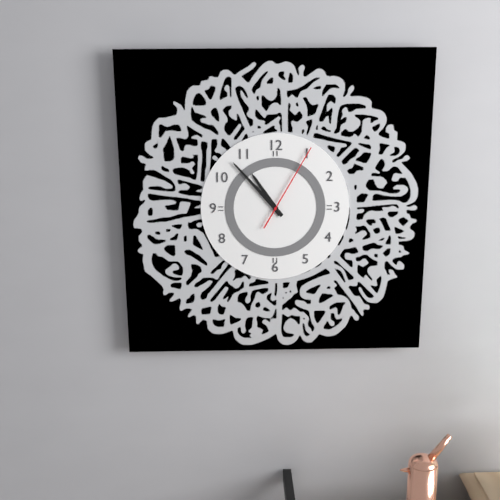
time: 10:53:05
